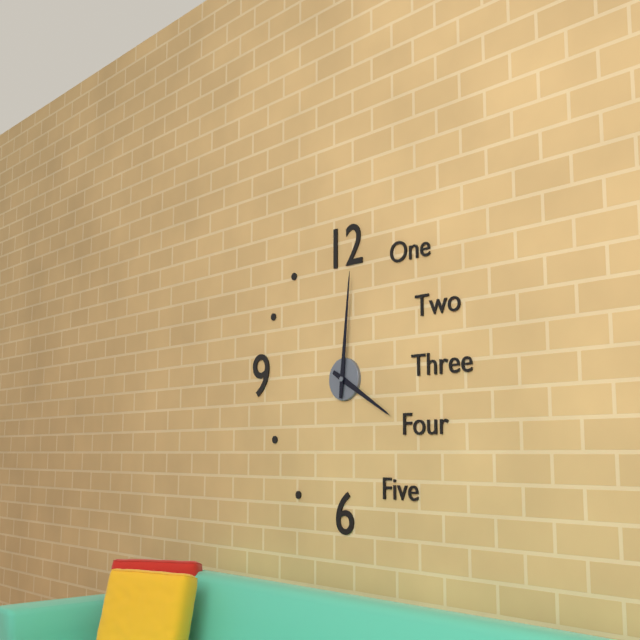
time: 4:01
